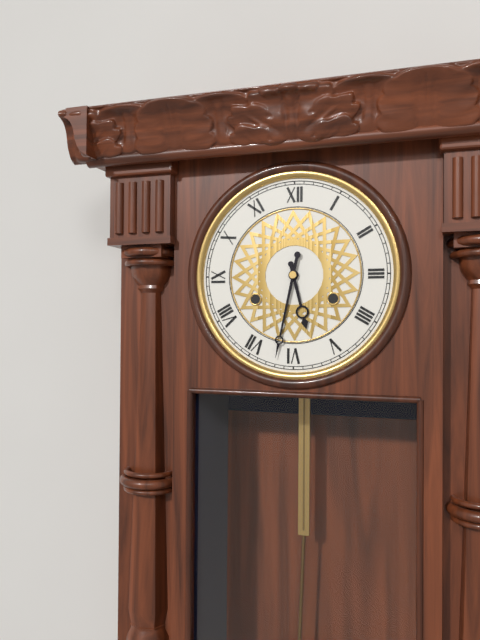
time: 5:32
